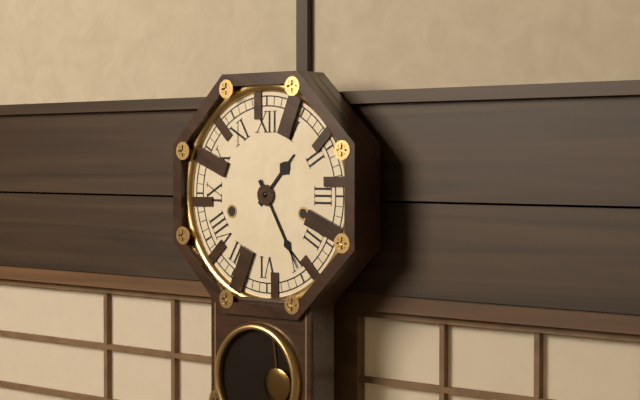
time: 1:25
